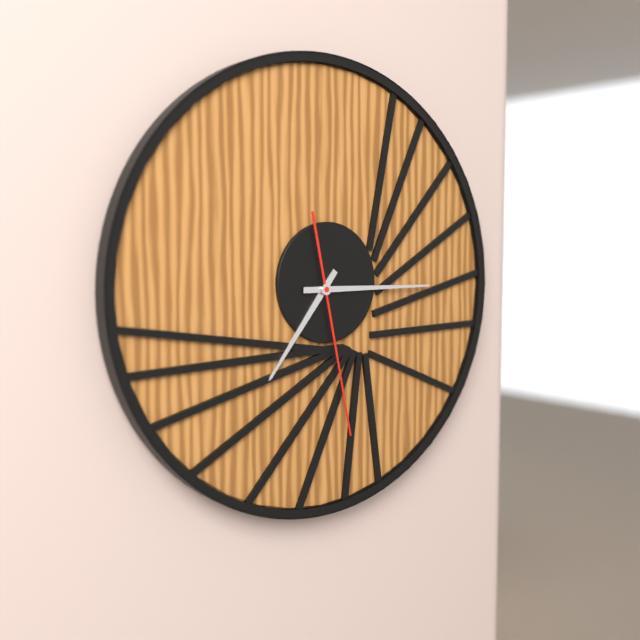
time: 7:15:28
